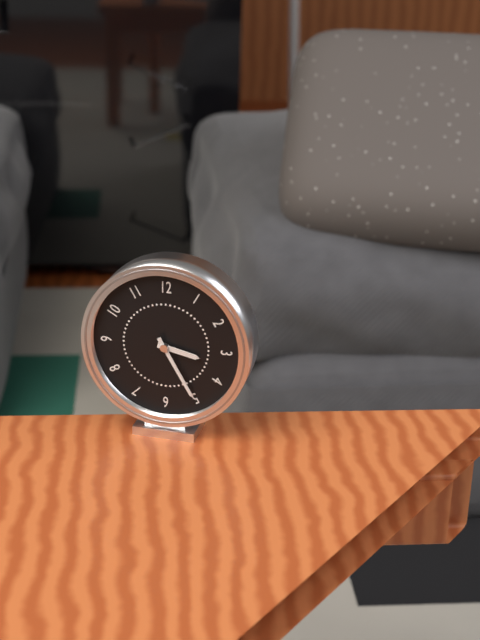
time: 3:25
